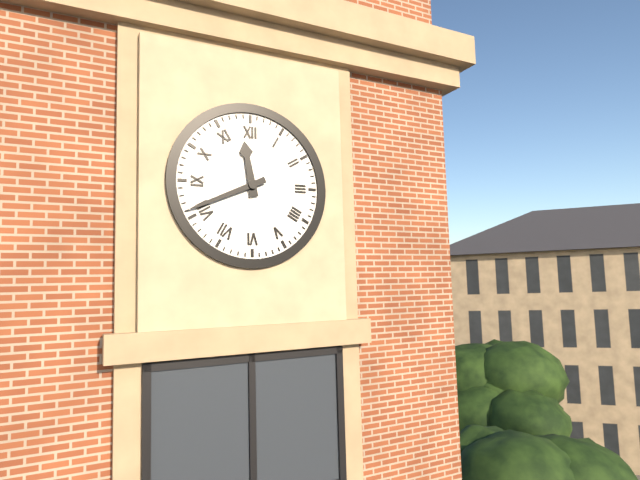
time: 11:41
